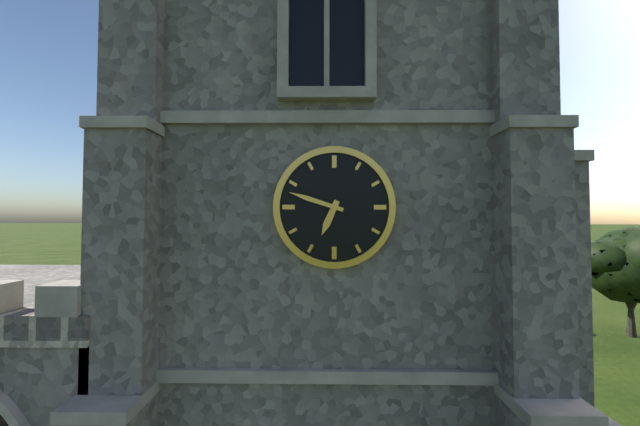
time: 6:48
